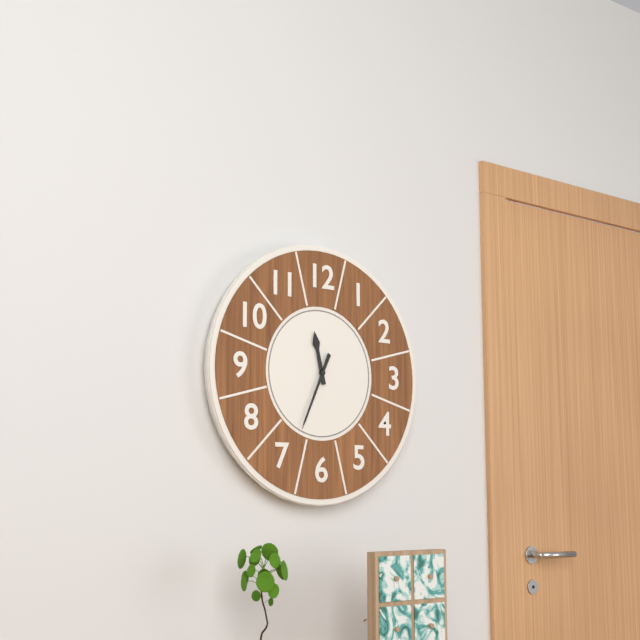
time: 11:34
